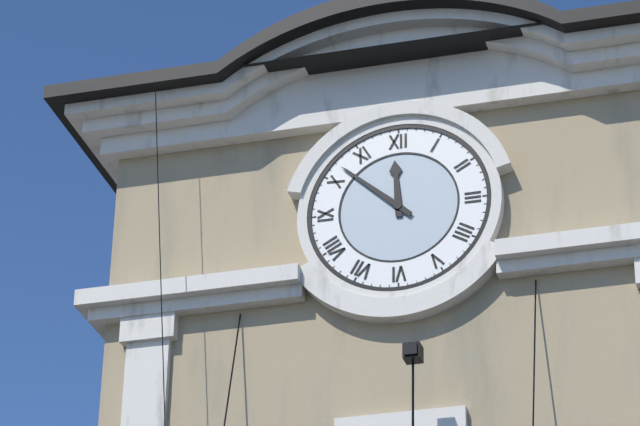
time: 11:52
